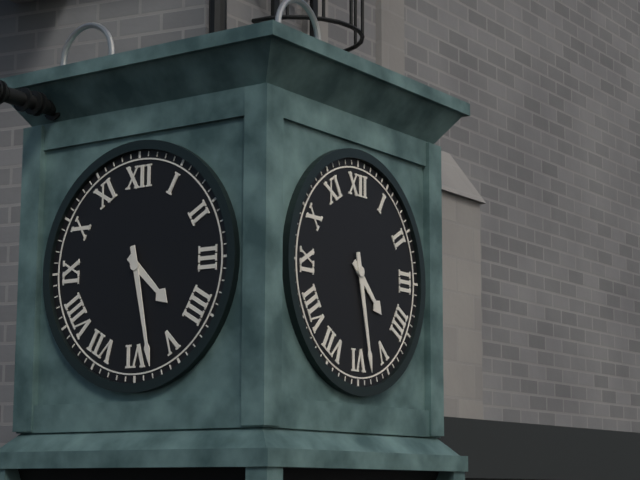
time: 4:28
